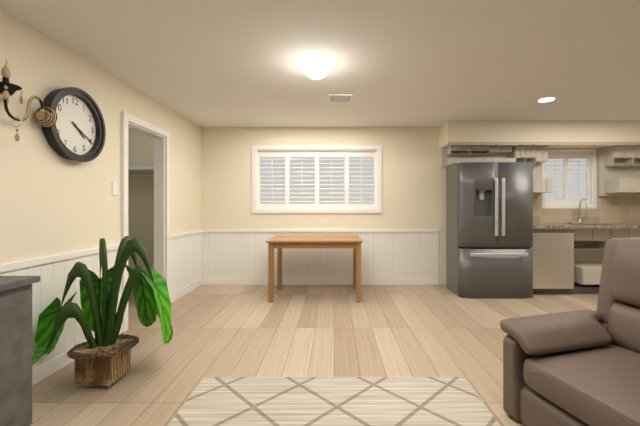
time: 4:20
